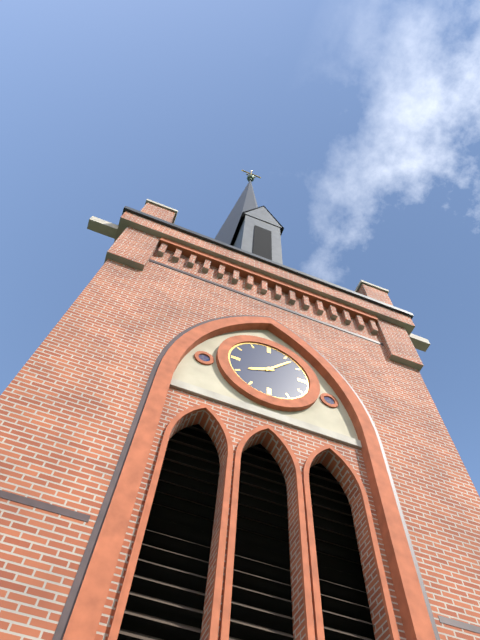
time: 8:07
